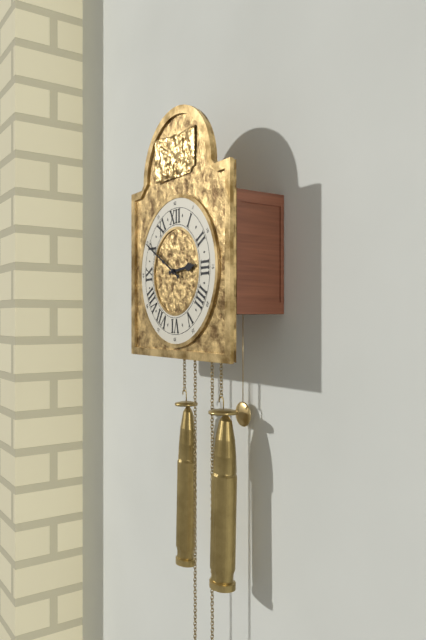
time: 2:50
